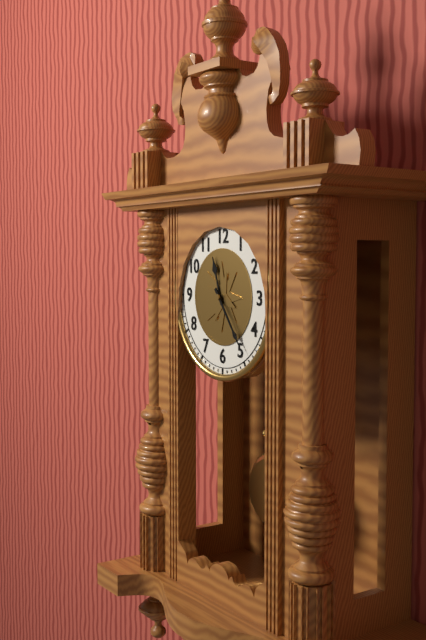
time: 11:24
